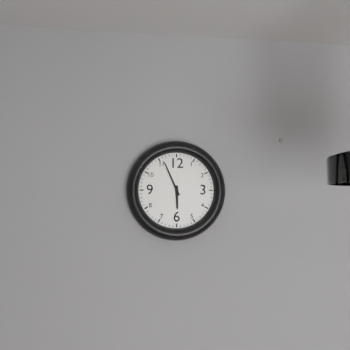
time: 5:56
